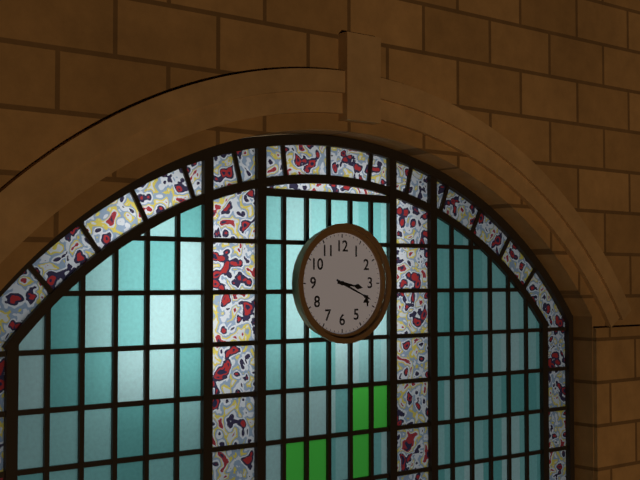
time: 3:19
